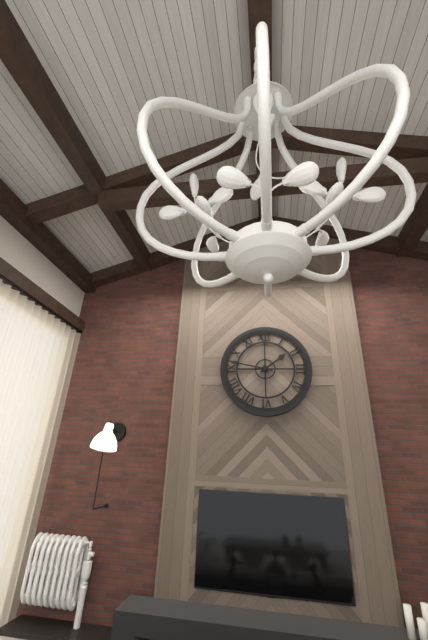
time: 1:47
